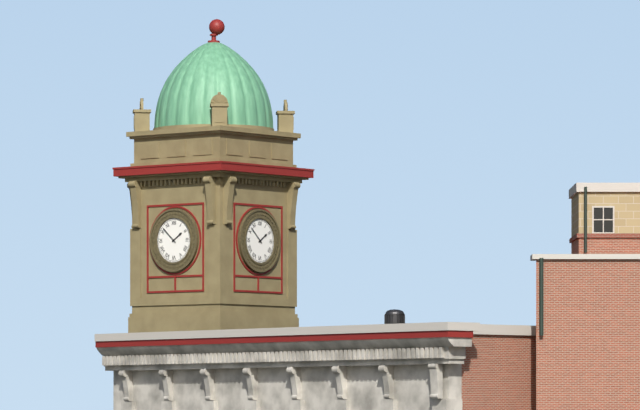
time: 1:52
